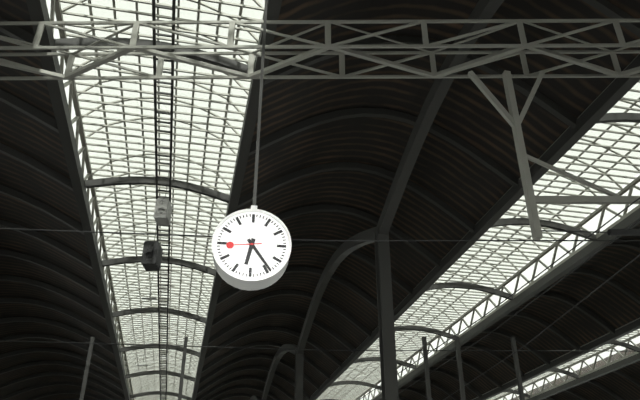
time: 6:24
